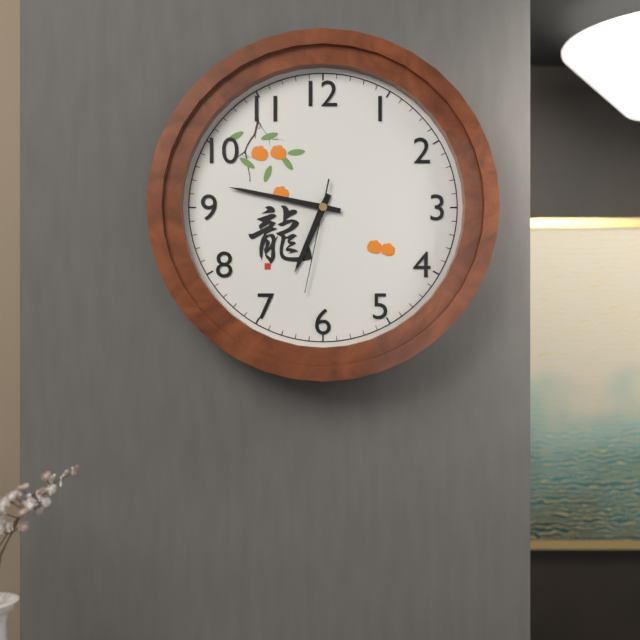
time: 6:47:32
